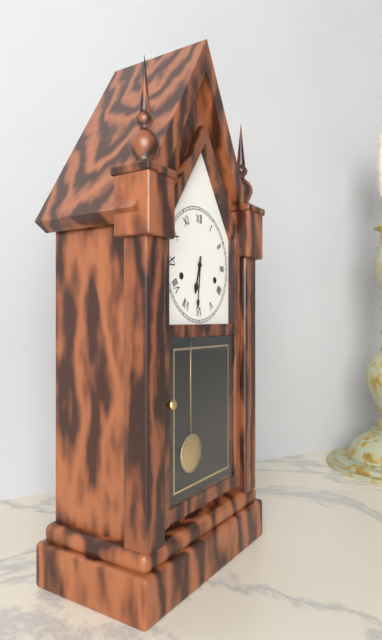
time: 6:31
